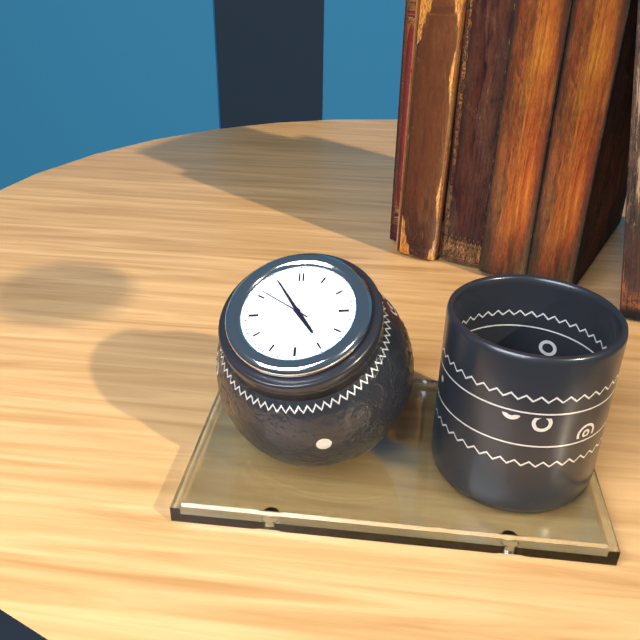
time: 4:55:51
